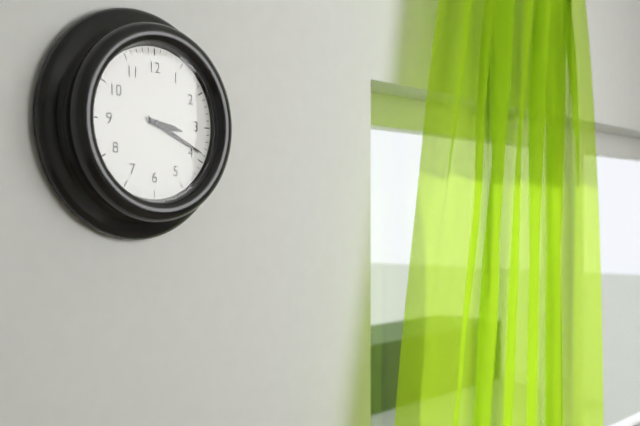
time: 3:19
